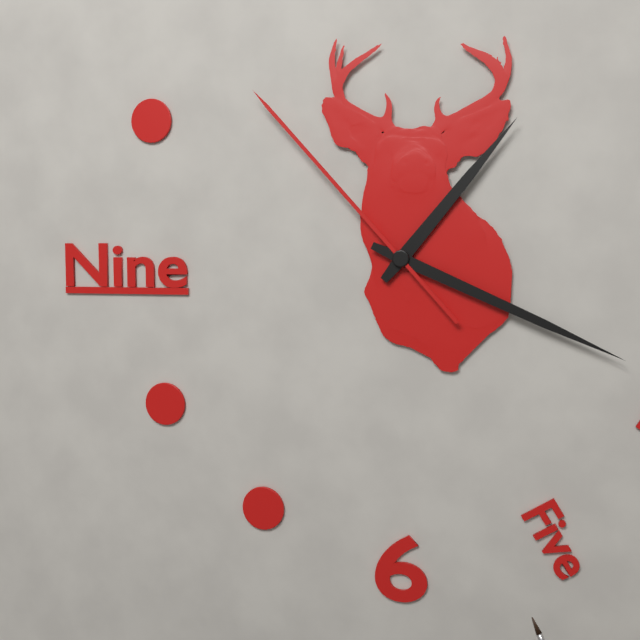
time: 1:19:53
